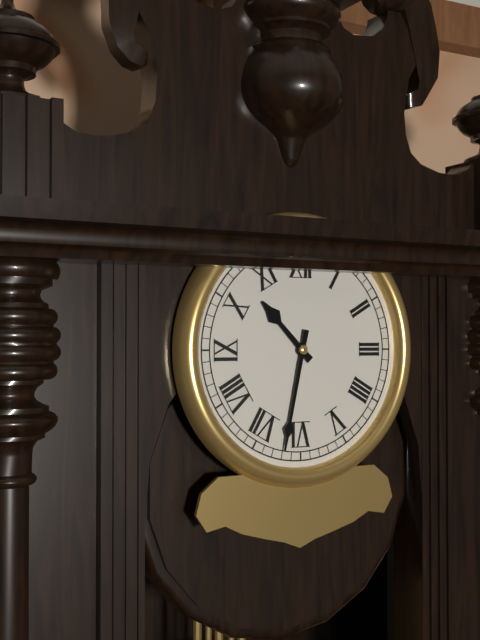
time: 10:32
